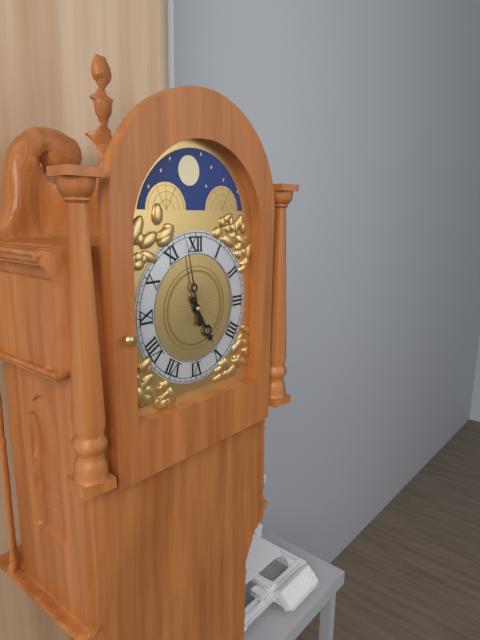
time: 4:58
